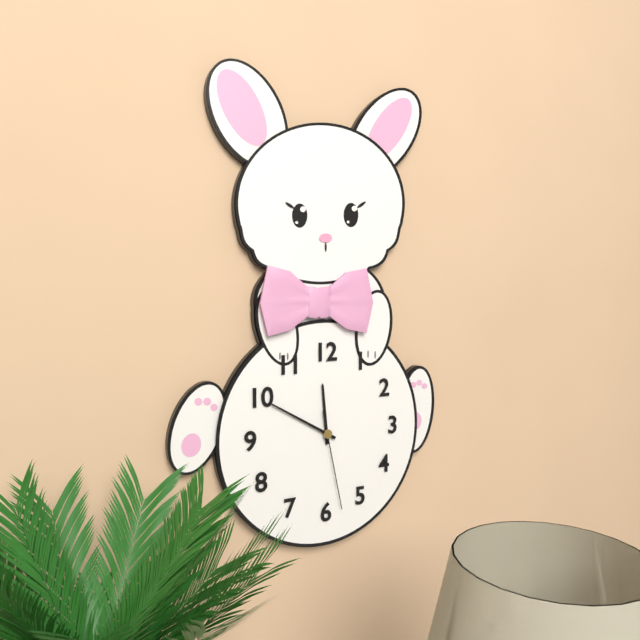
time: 11:50:28
